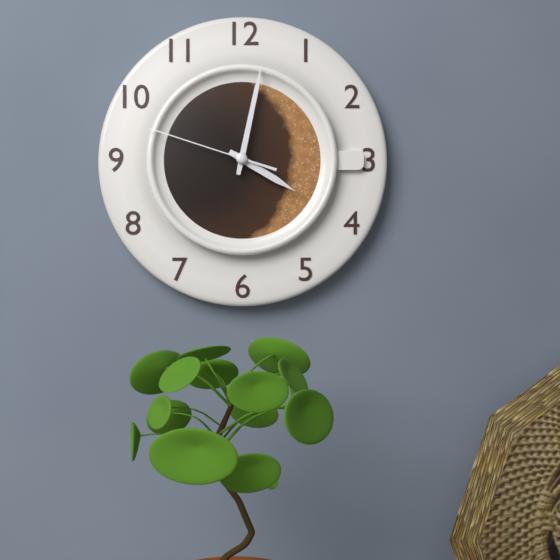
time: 4:02:48
